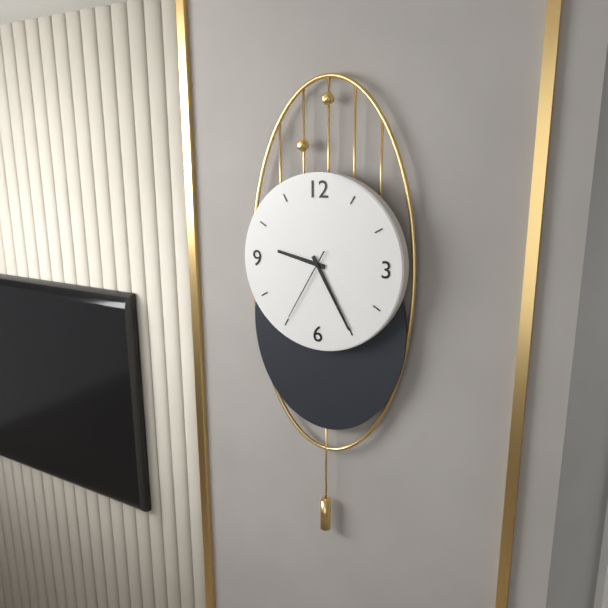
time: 9:25:35
